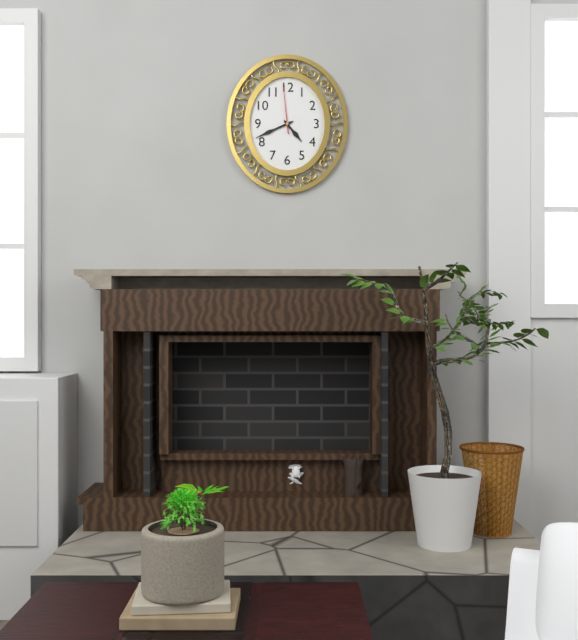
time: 4:41:59
